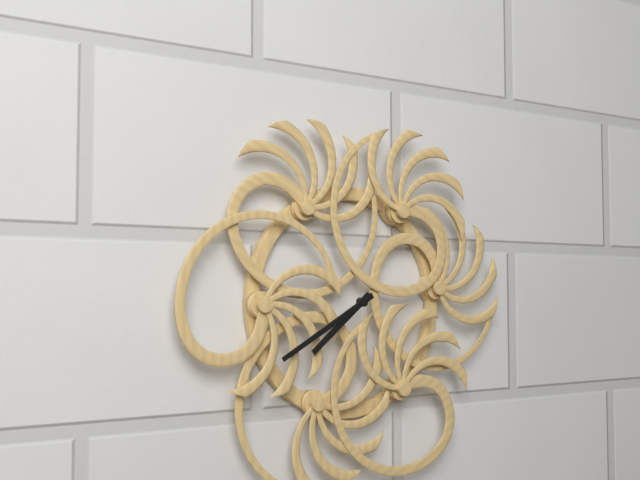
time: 7:40
